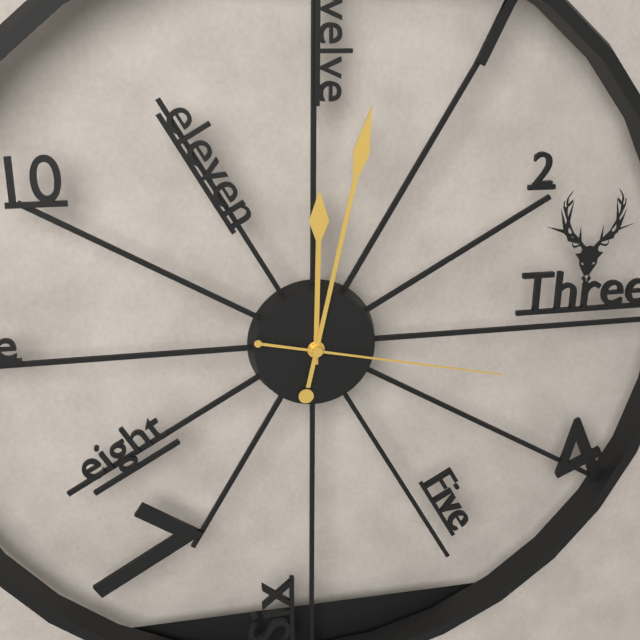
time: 12:02:17
